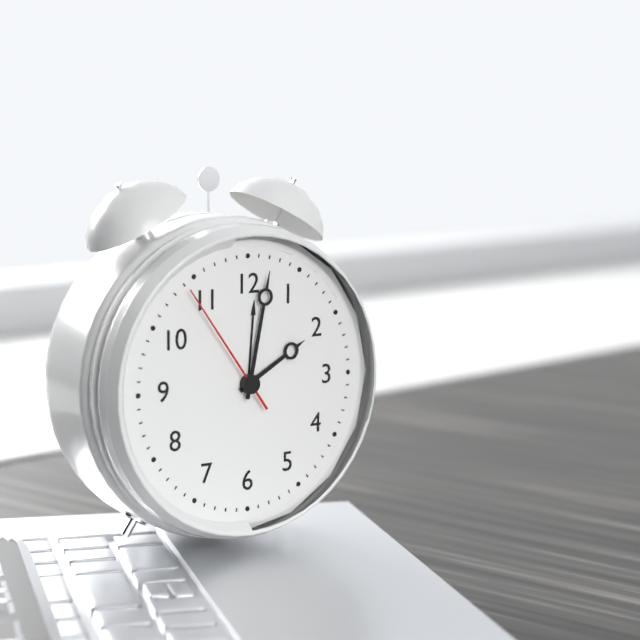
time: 2:02:54
